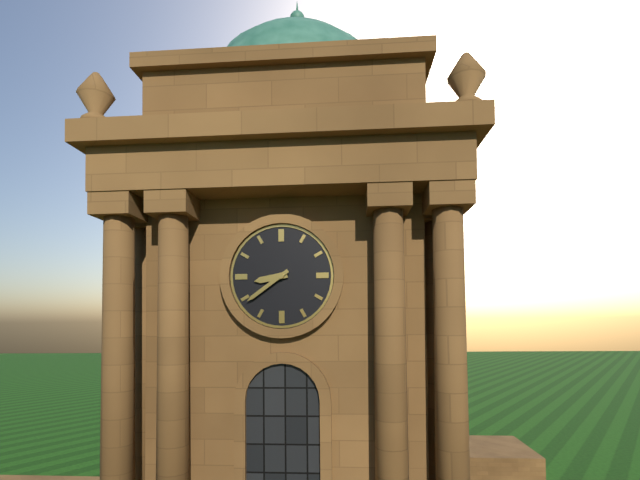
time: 8:39
